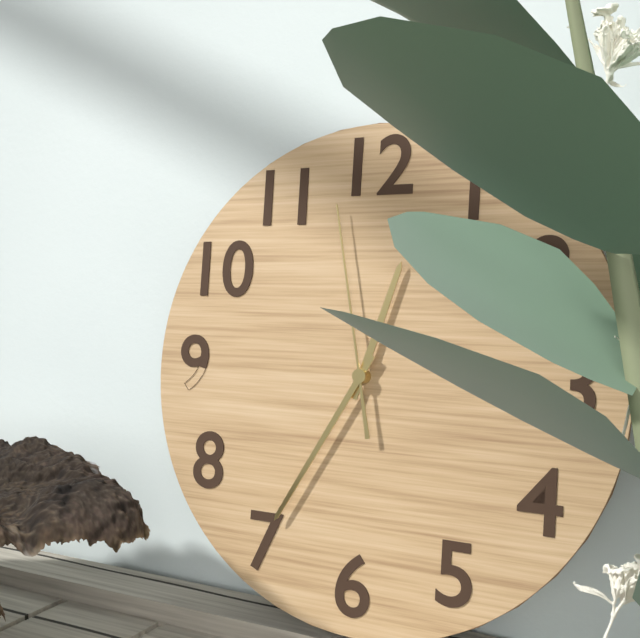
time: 12:35:58
